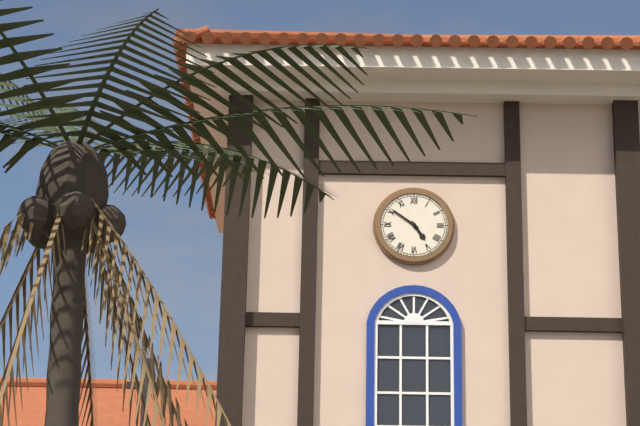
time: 4:51
